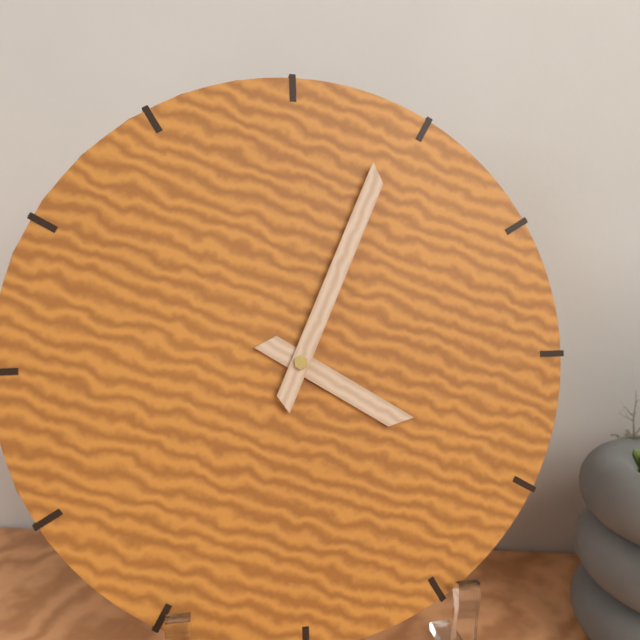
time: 4:04
